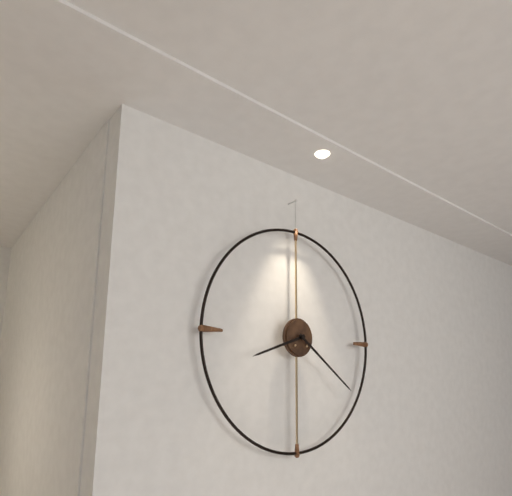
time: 8:21
